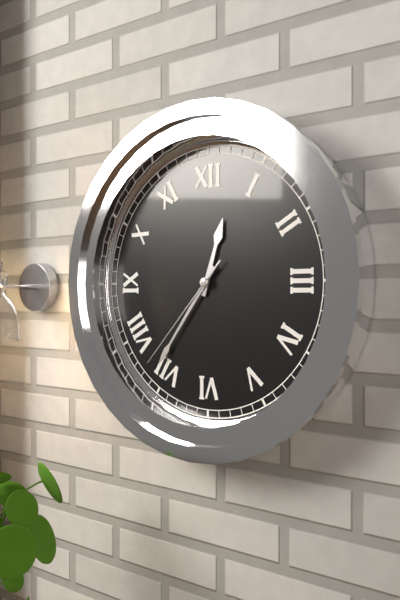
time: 12:36:37
